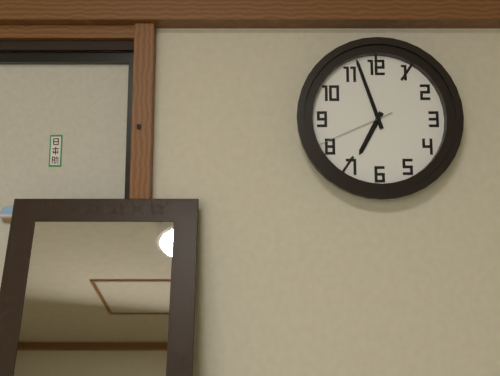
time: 6:57:41
